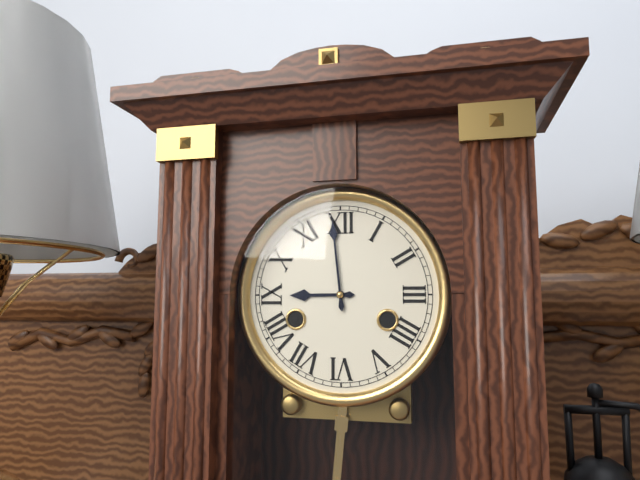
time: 8:59
